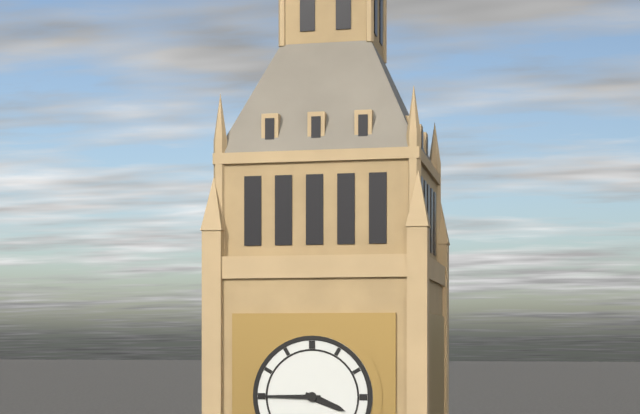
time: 3:45
